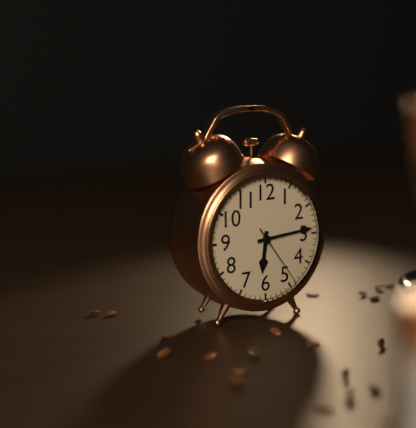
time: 6:14:24
